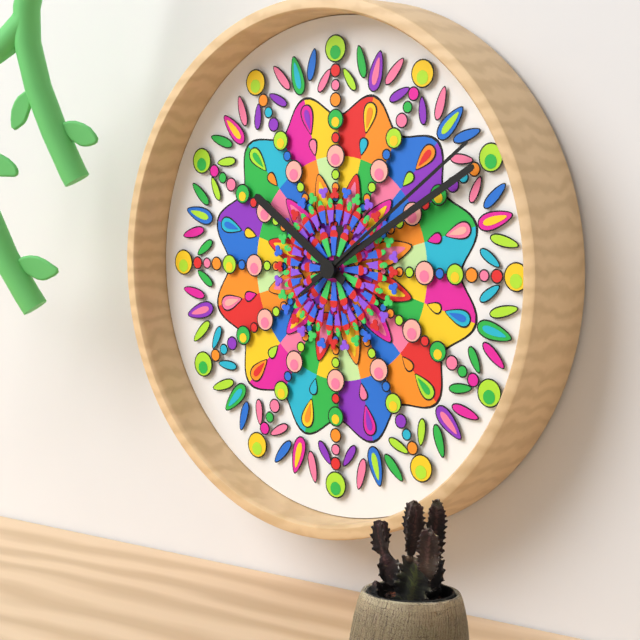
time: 10:10:09
